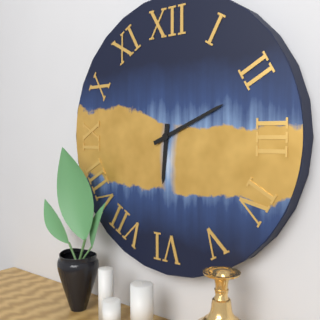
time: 6:11
